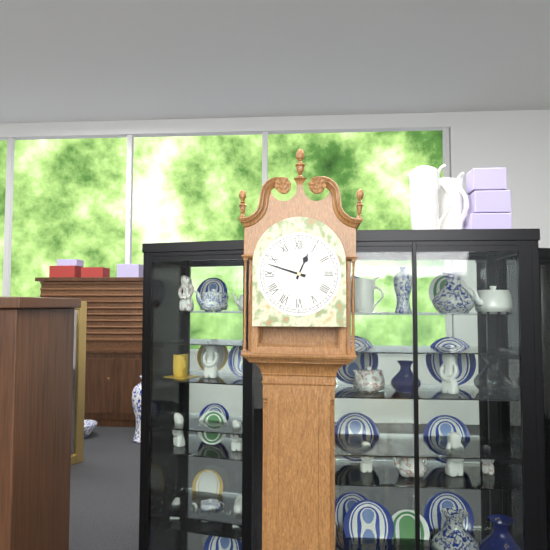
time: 12:48
